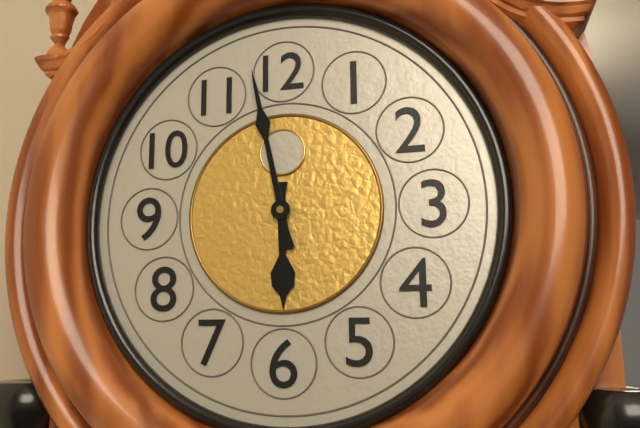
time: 5:58
